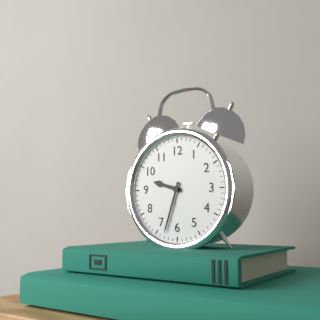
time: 9:33
